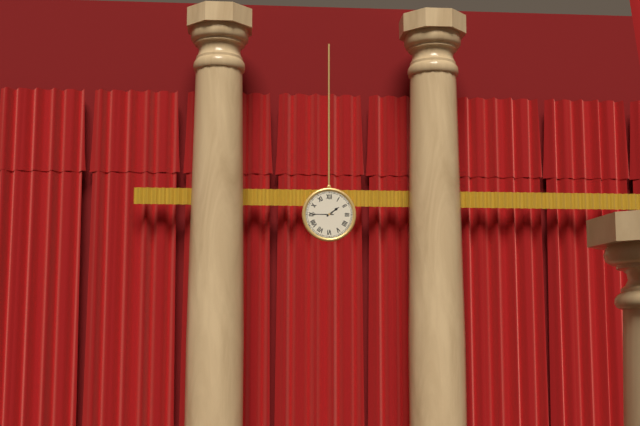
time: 1:45
